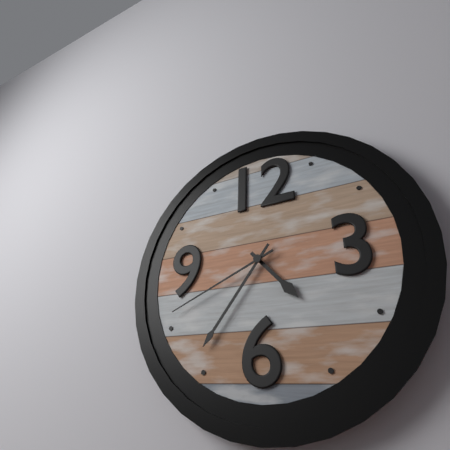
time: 4:36:41
